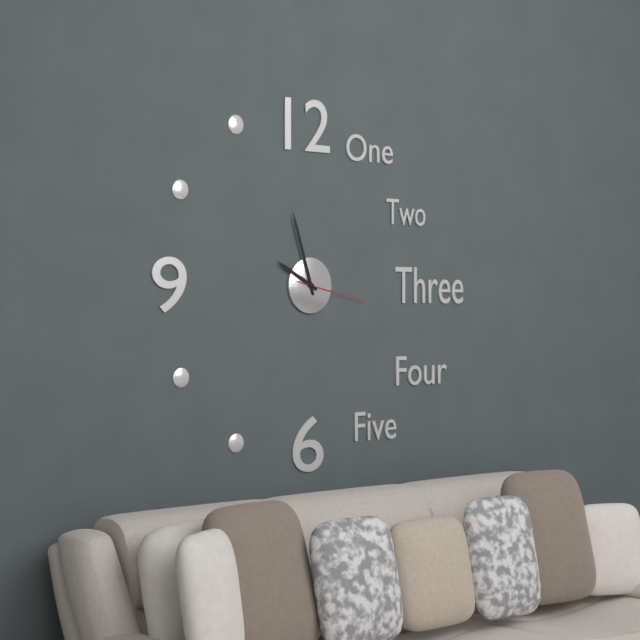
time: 9:57:17
